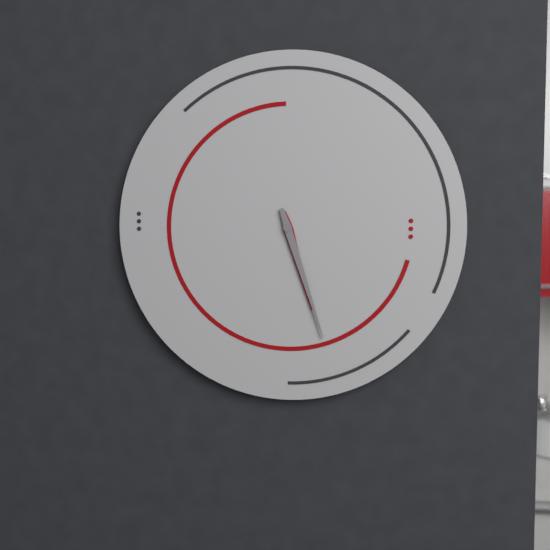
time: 5:27
